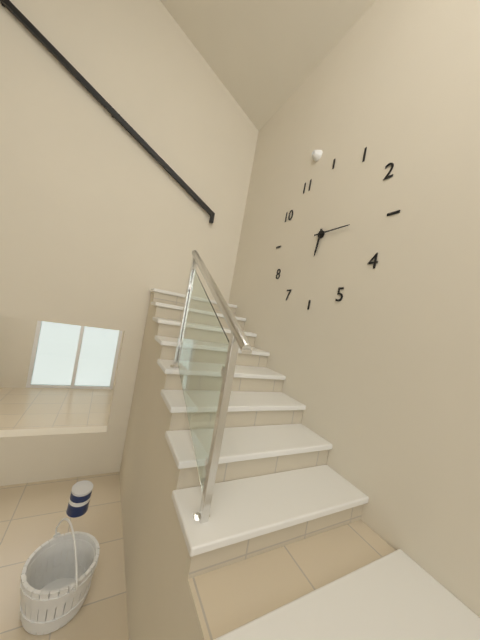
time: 6:15
